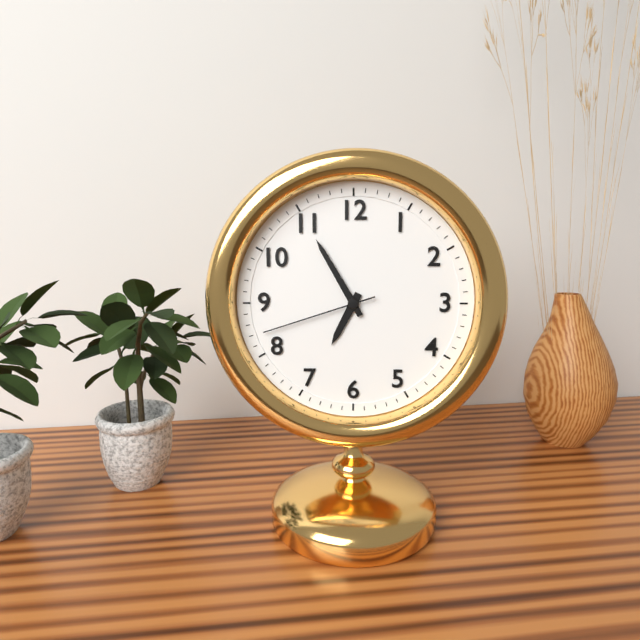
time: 6:55:42
